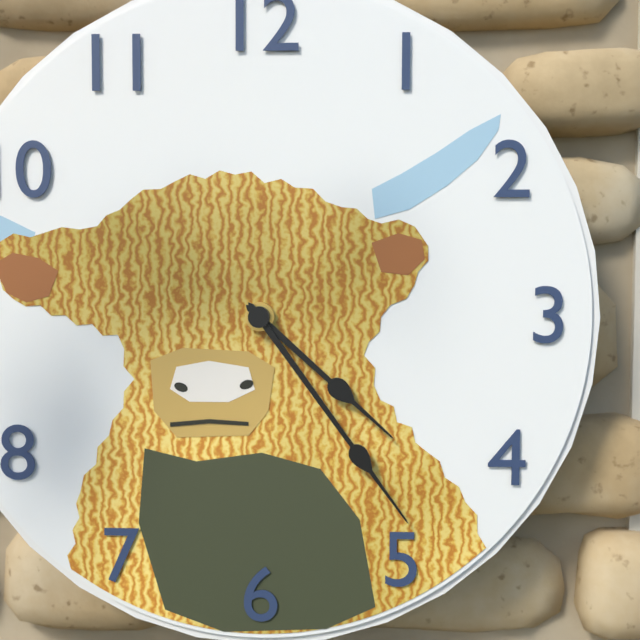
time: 4:24
